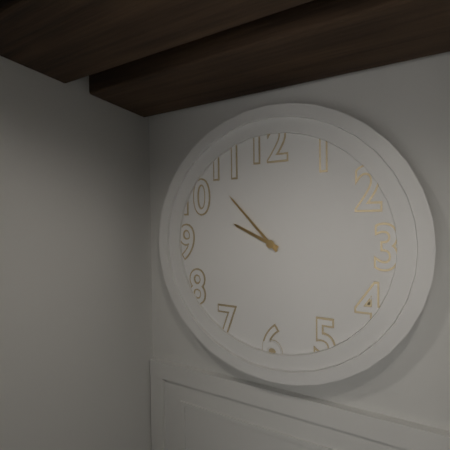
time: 9:53
